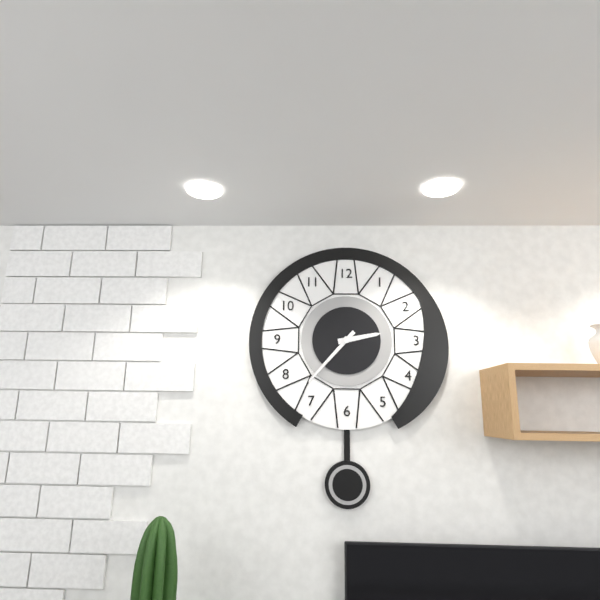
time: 2:37
